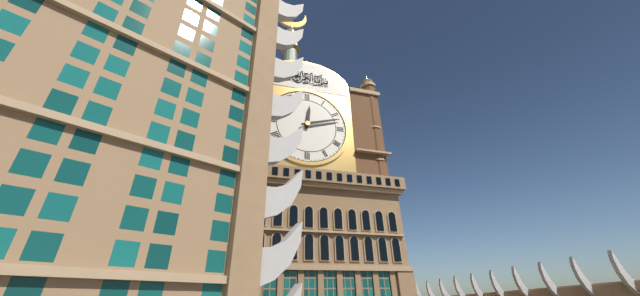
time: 12:12
